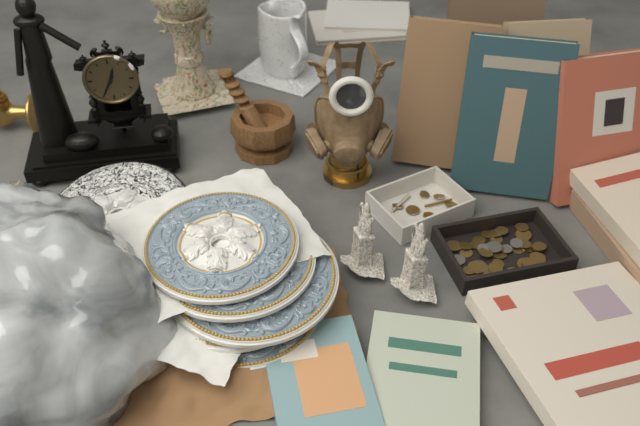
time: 12:35
